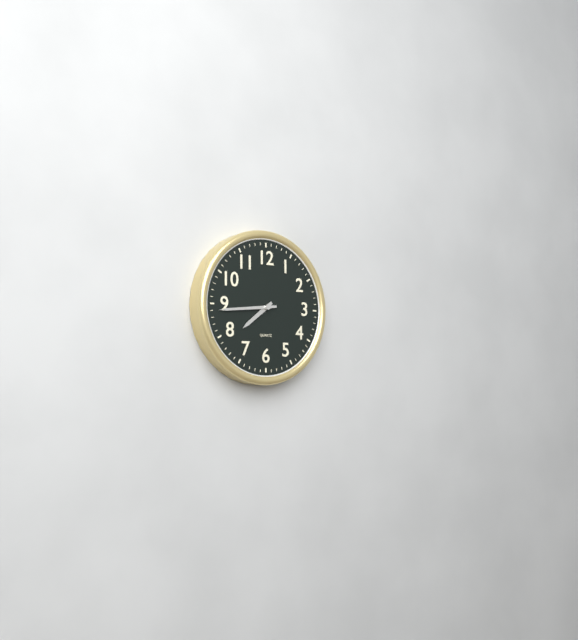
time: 7:44
